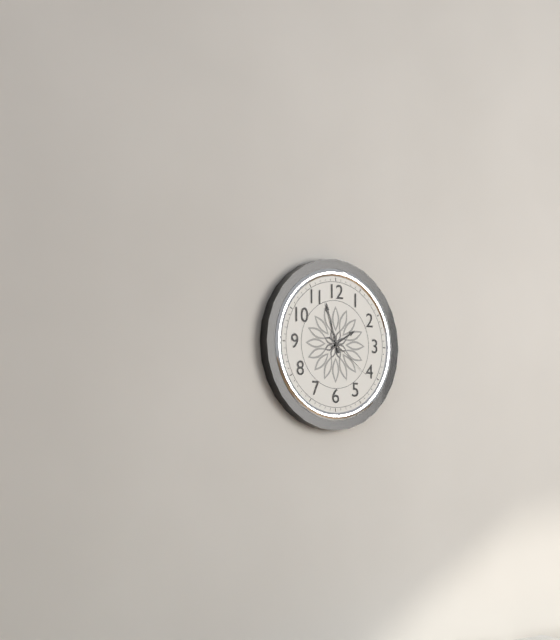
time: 1:57:21
